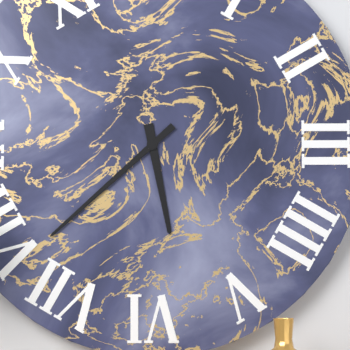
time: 5:38
